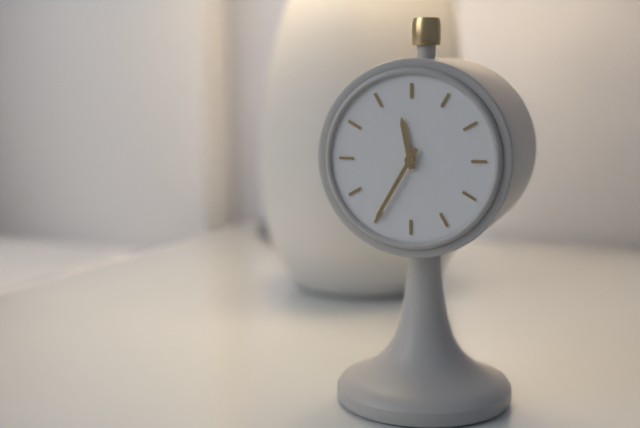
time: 11:35
